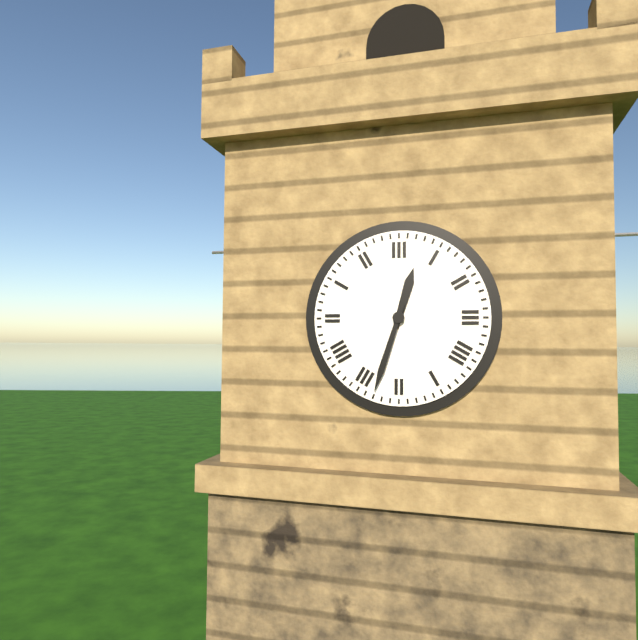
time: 12:33
